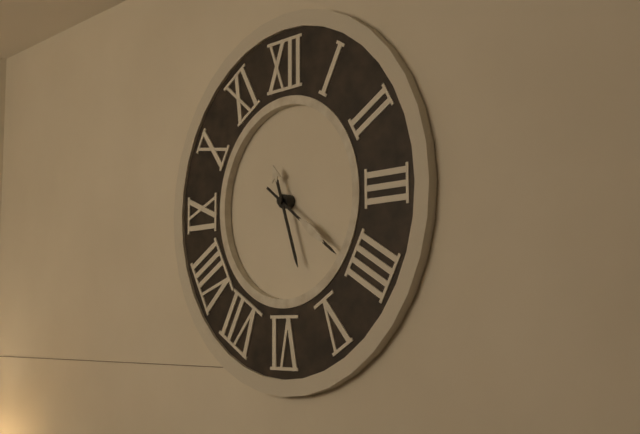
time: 5:21
